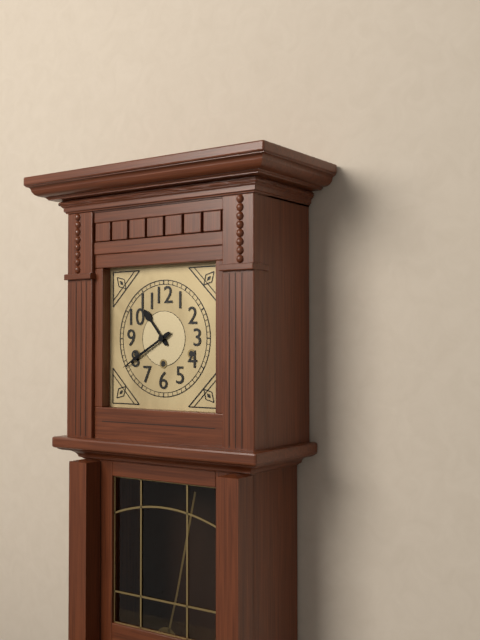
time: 10:40
